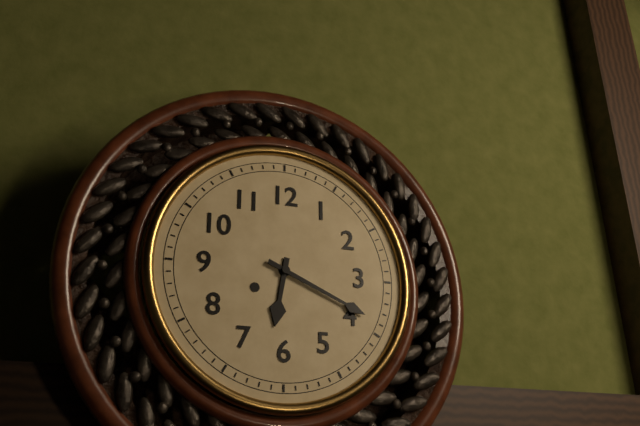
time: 6:19
